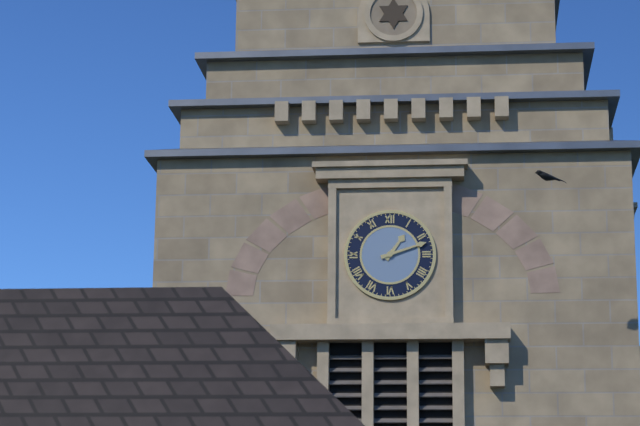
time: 1:12
